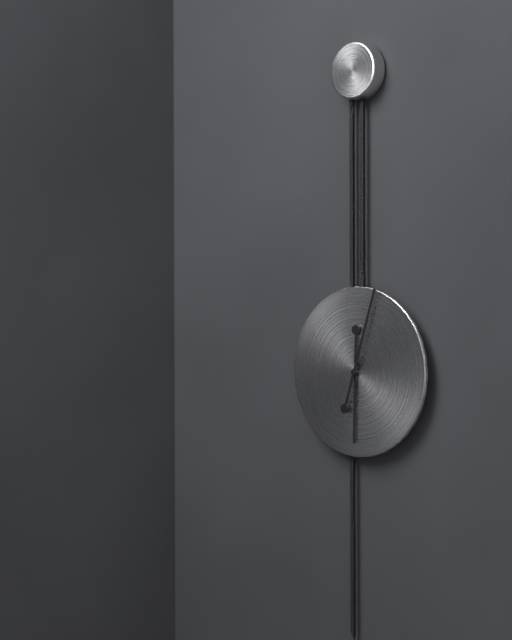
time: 6:03
